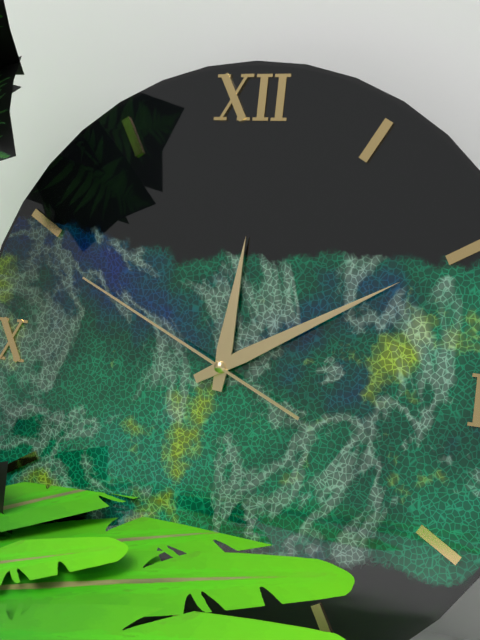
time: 12:10:49
